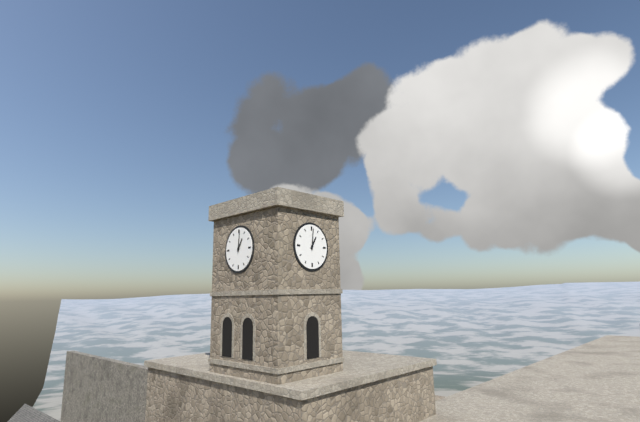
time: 1:01
